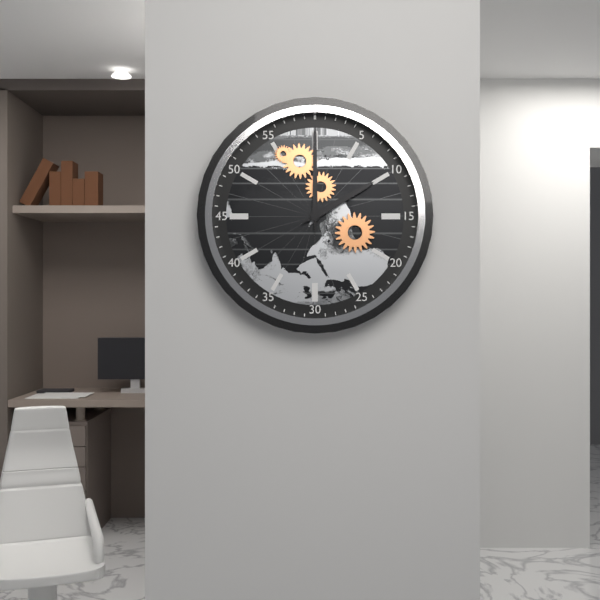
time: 2:00
